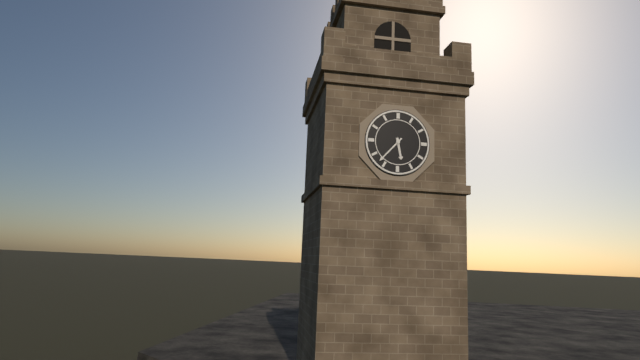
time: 5:37
